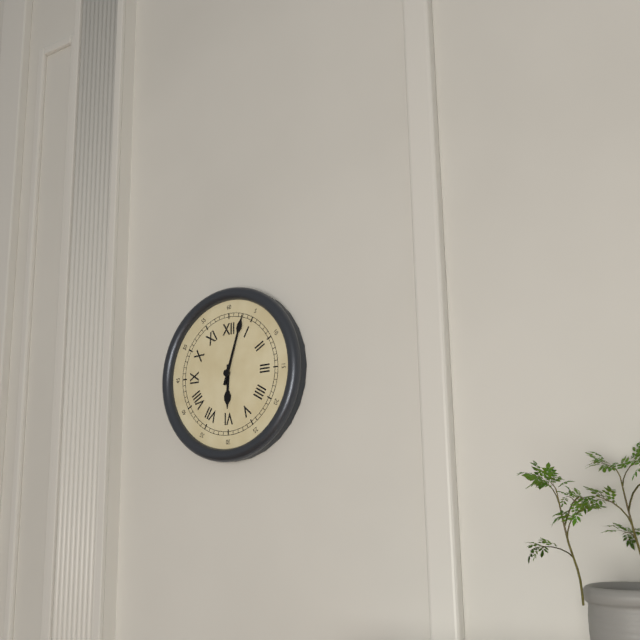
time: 6:03
